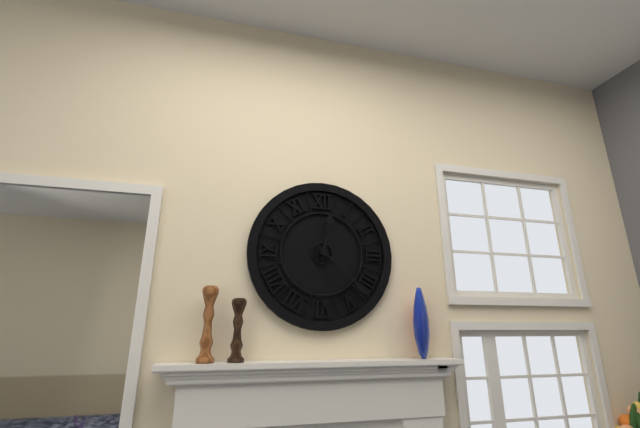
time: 12:22
